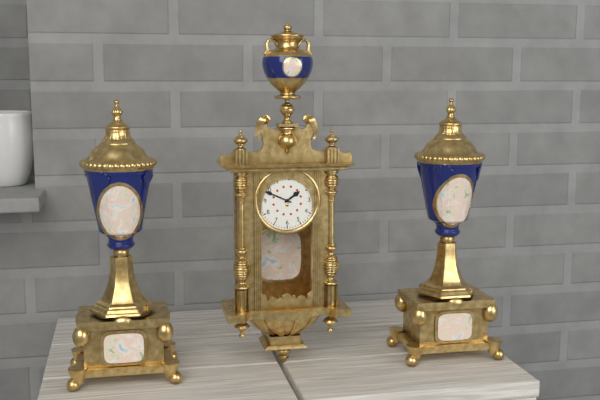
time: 1:49
